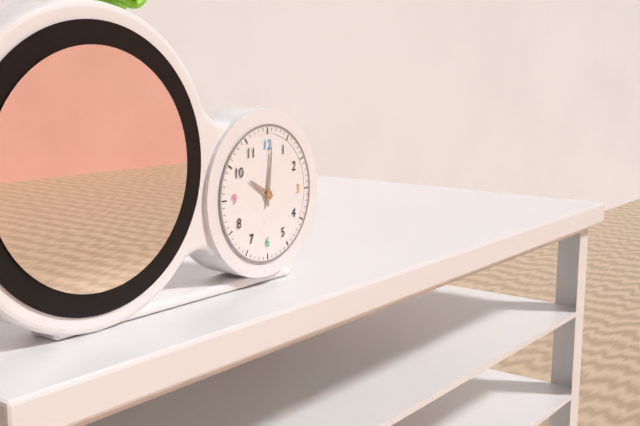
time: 10:01
